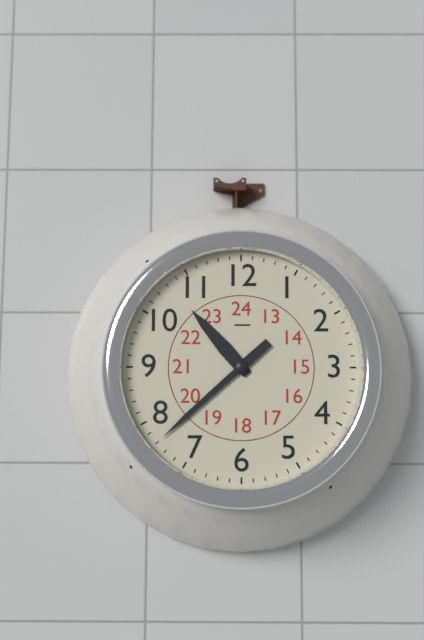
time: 10:38
